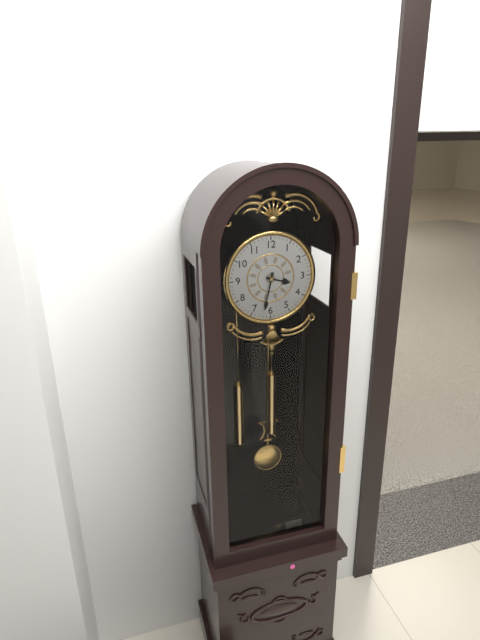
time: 3:32
